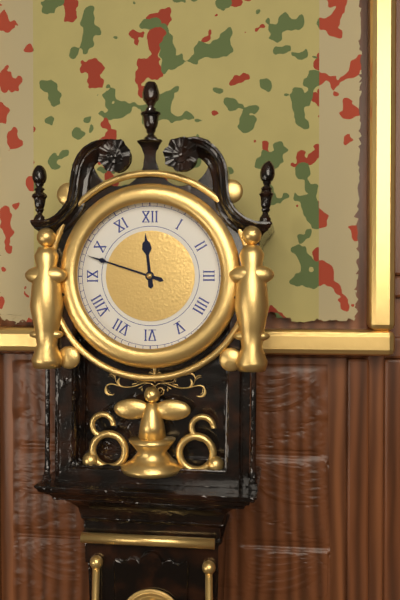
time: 11:48
